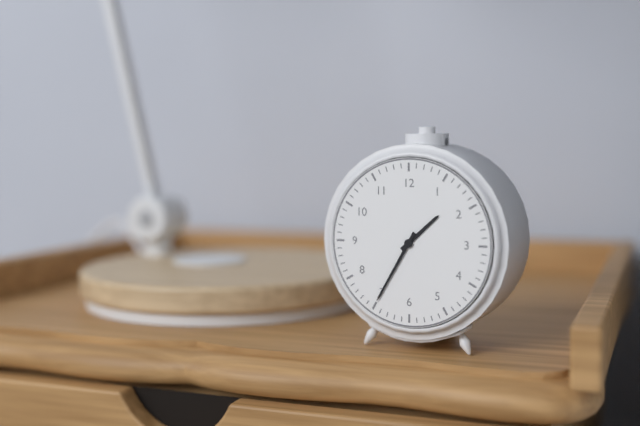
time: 1:35
